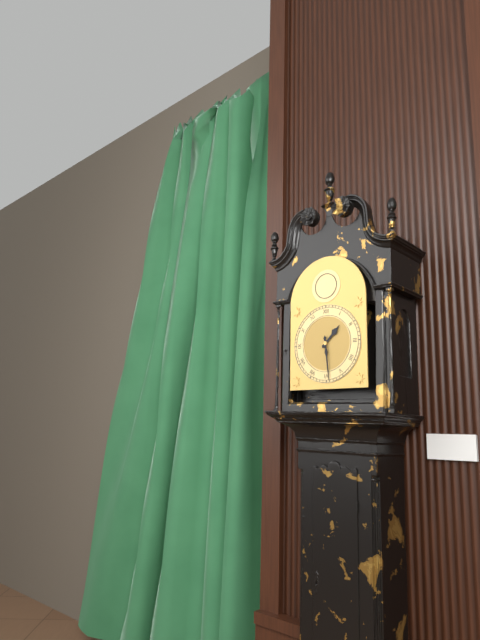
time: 1:29
